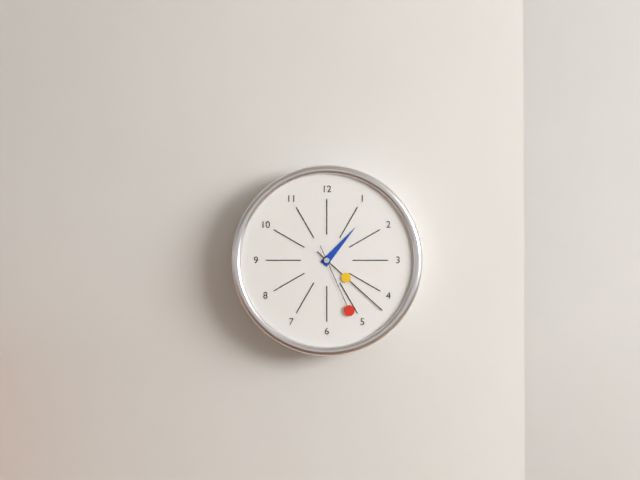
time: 1:22:26
